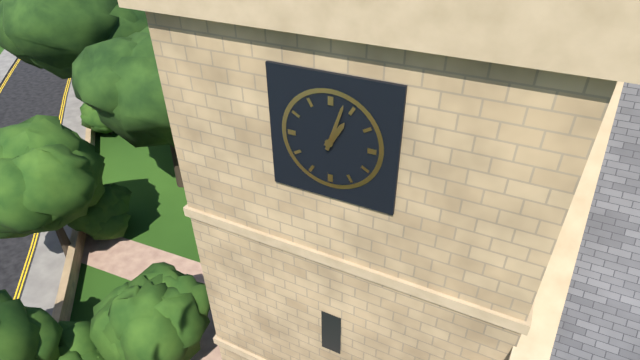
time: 1:03
